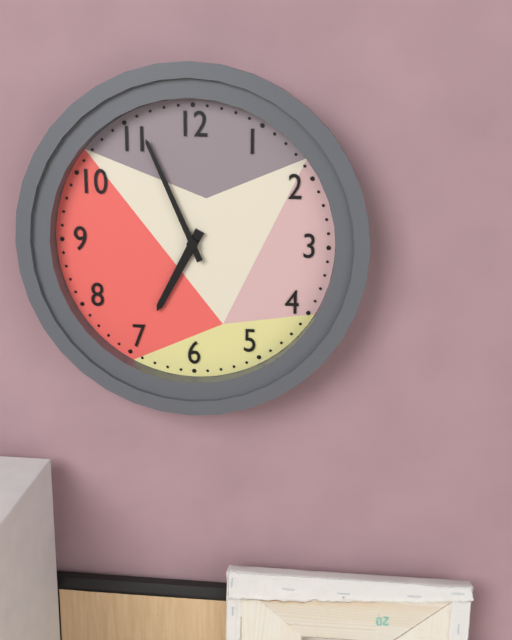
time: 6:56
